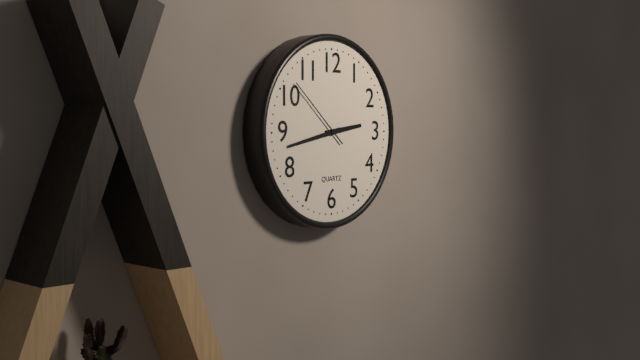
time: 2:43:52
